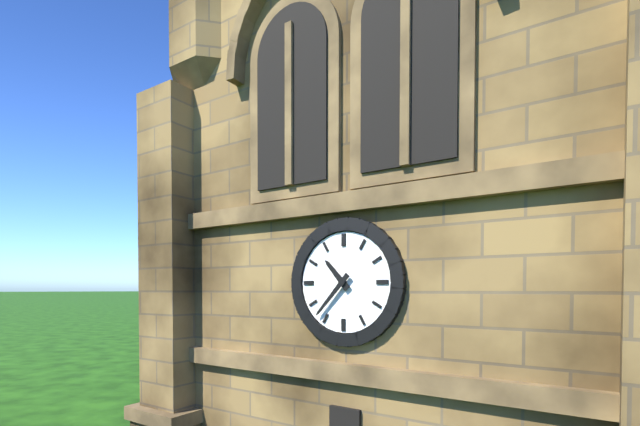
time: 10:37
